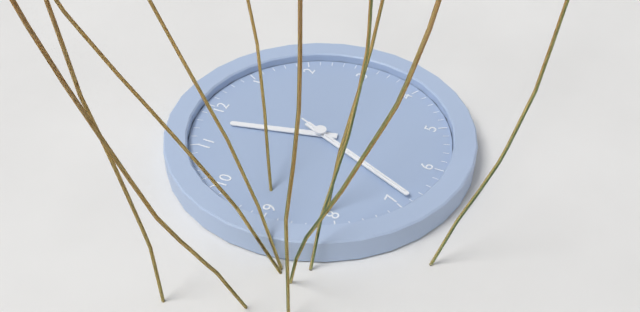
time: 11:34:34
